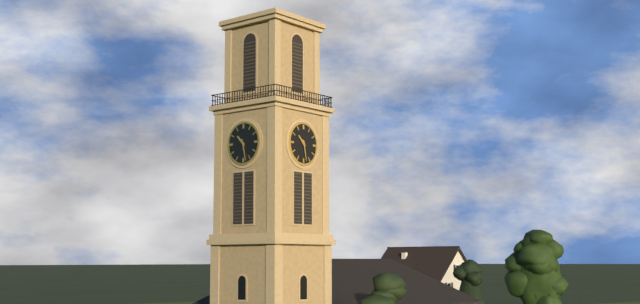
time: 10:28
